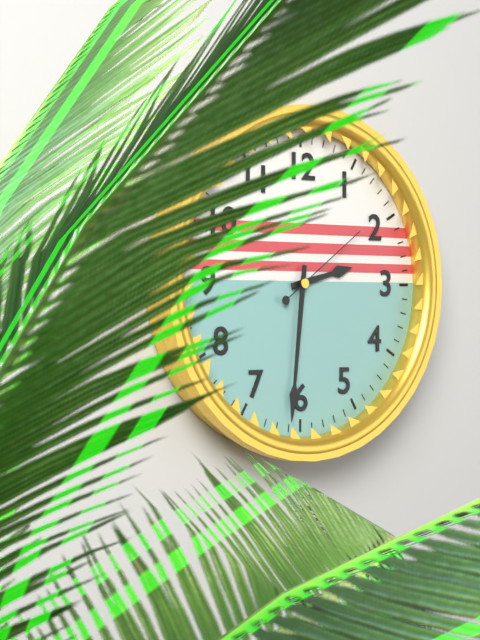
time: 2:31:09
